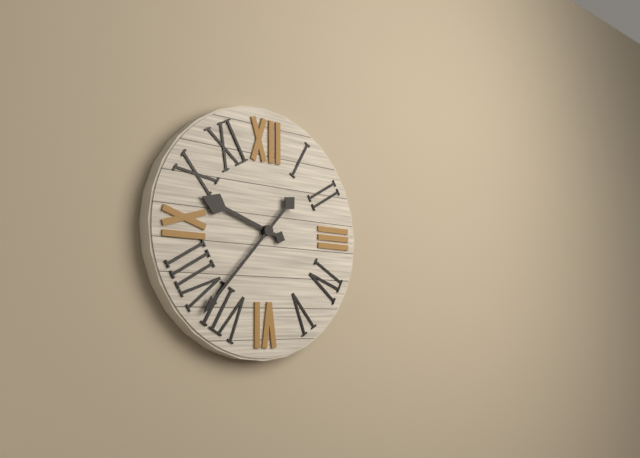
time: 9:37
